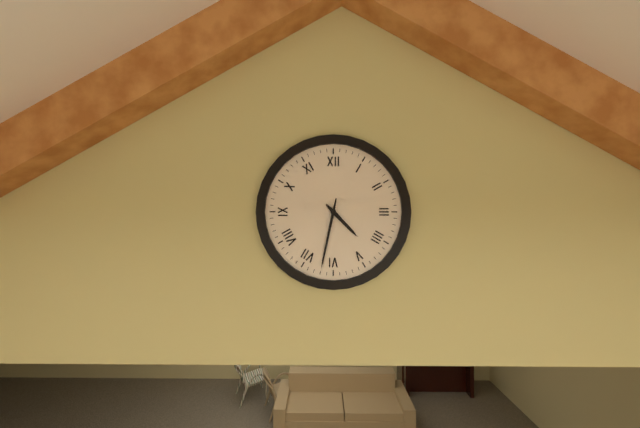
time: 4:32
